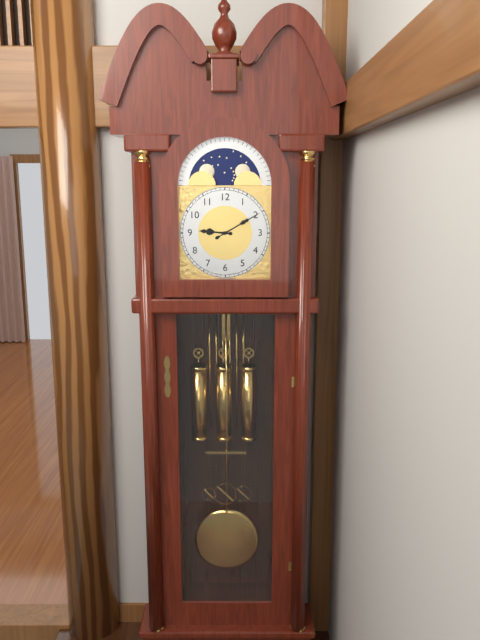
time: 9:10
